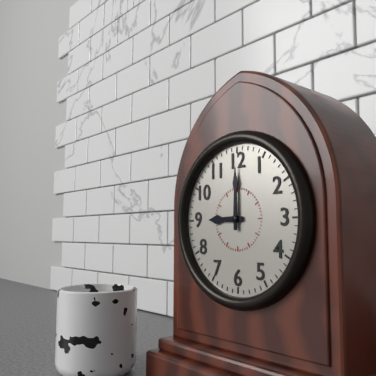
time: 9:00
